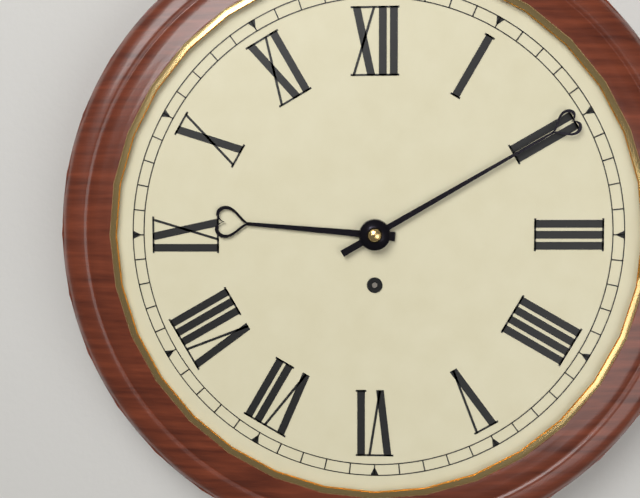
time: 9:10
